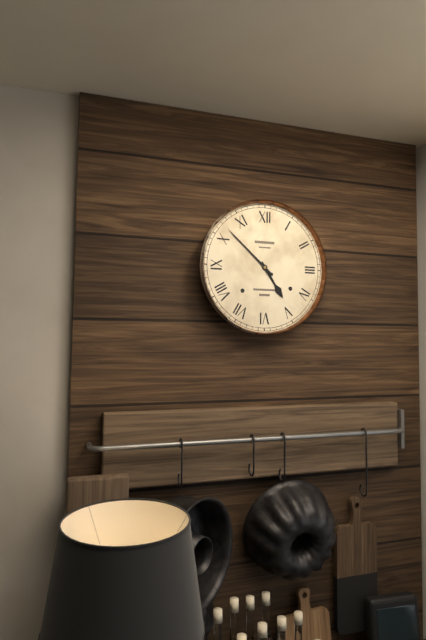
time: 4:52
